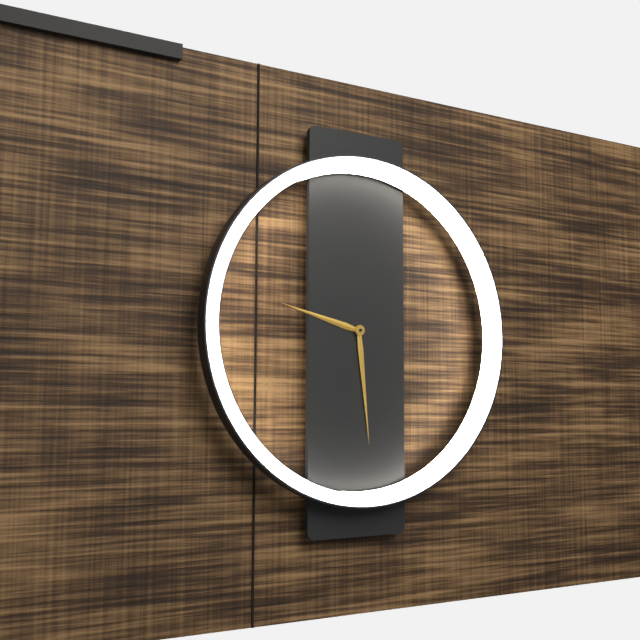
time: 9:29
